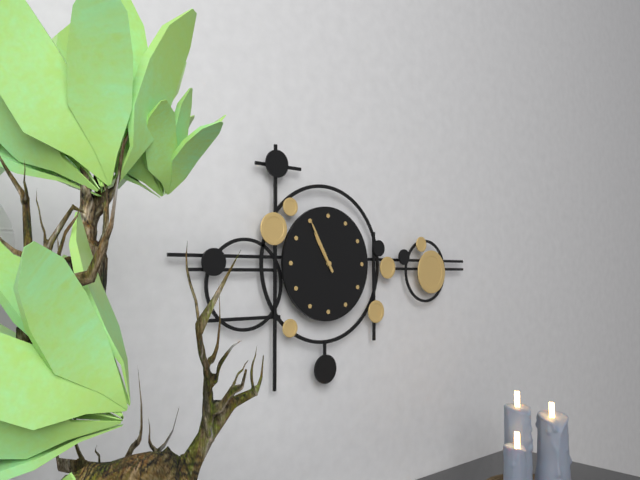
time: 10:55
